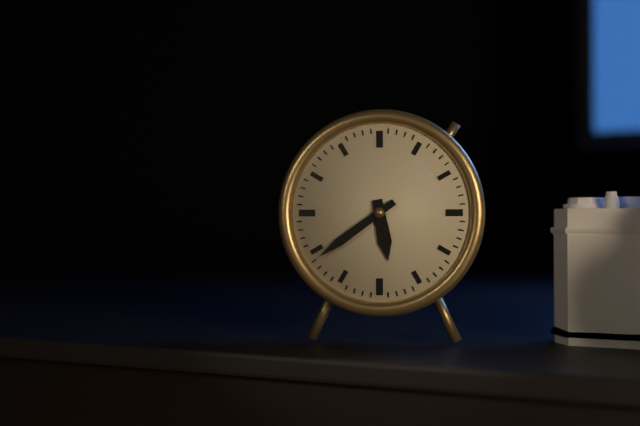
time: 5:39
